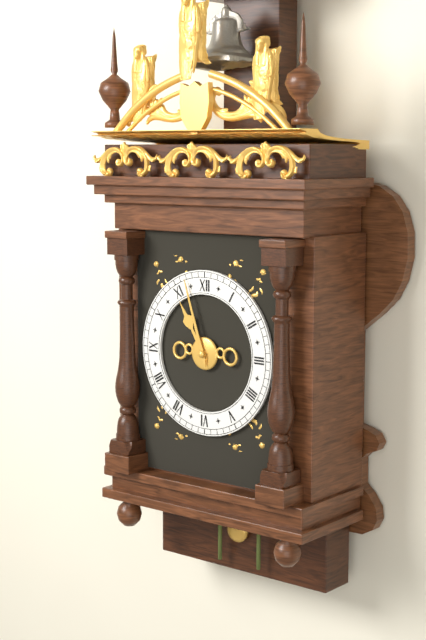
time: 10:57
